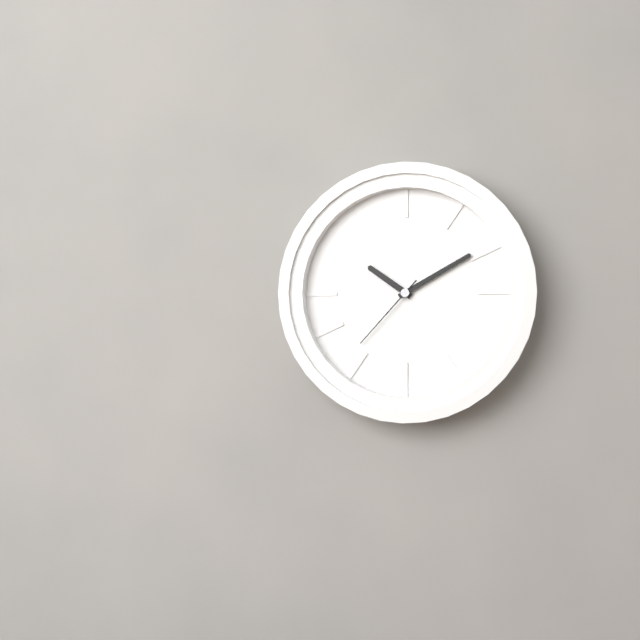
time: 10:10:37
